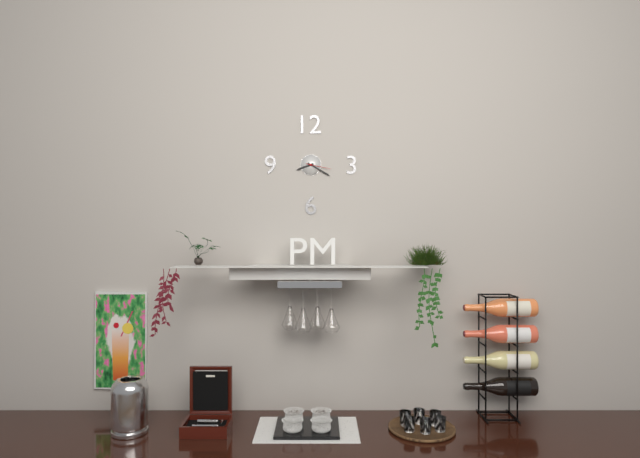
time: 8:20
